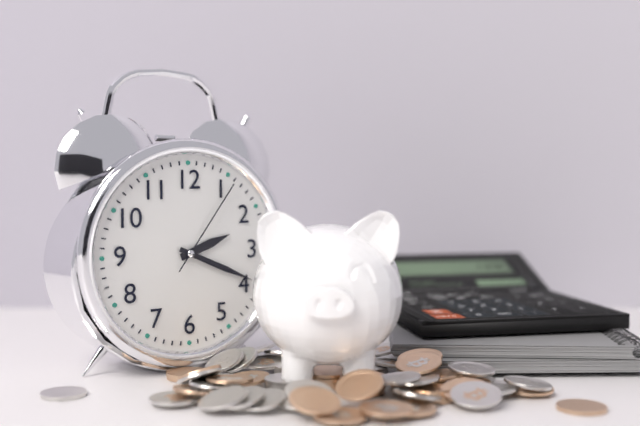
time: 2:19:06
